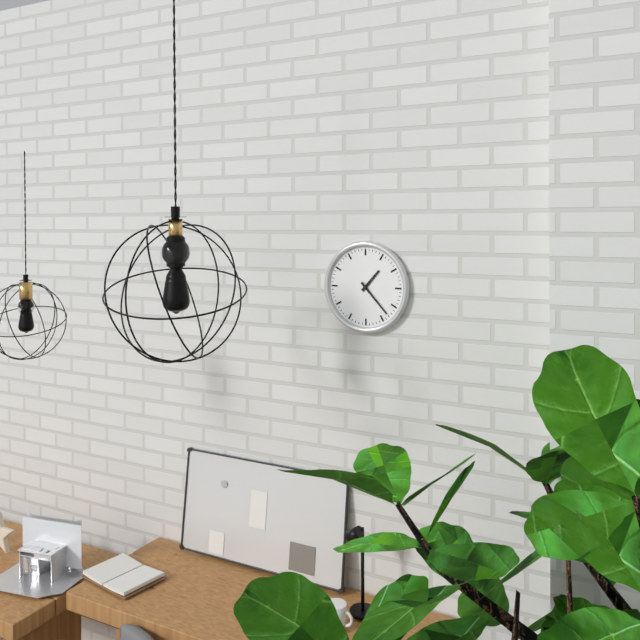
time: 1:23
